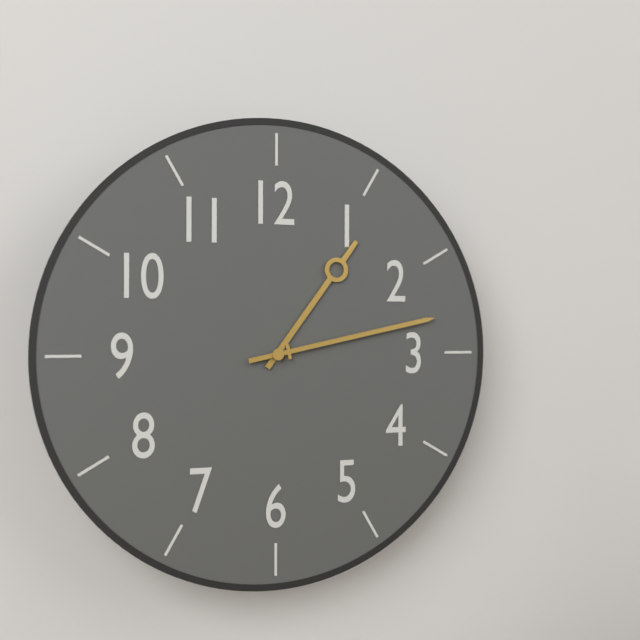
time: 1:13
